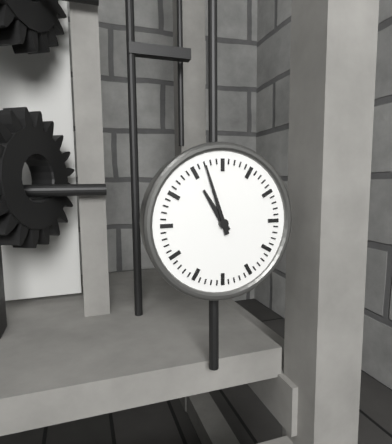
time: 10:57
